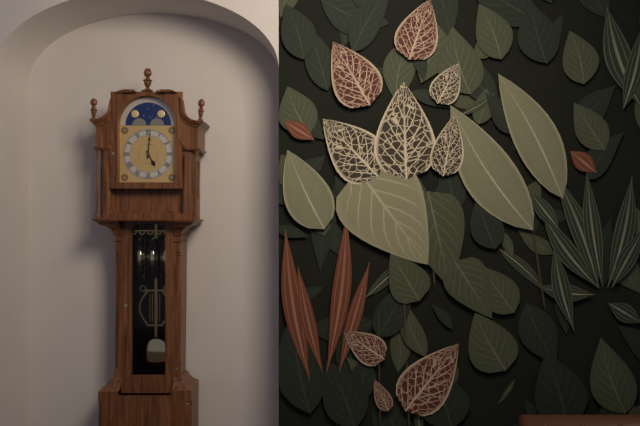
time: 5:01
